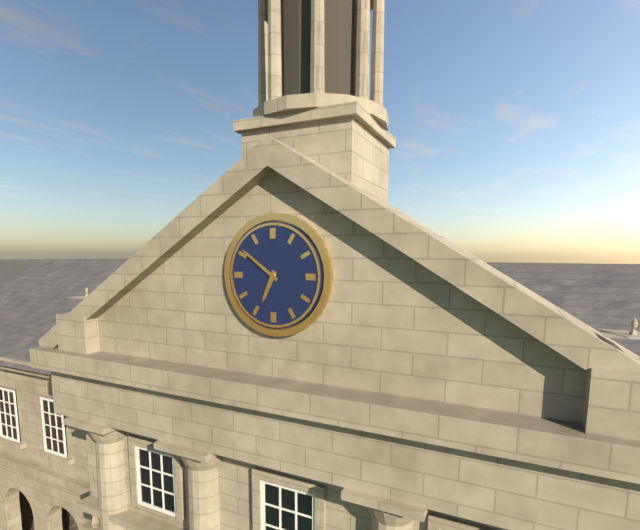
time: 6:51
